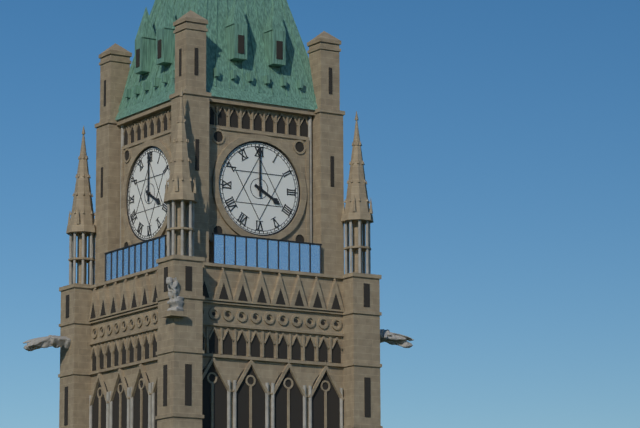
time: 4:00
